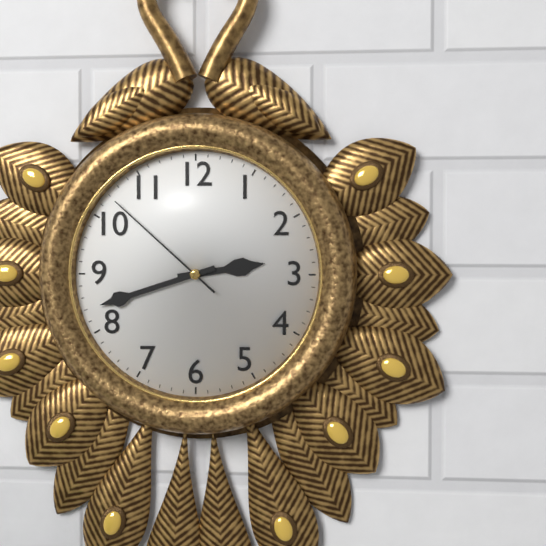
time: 2:42:52
